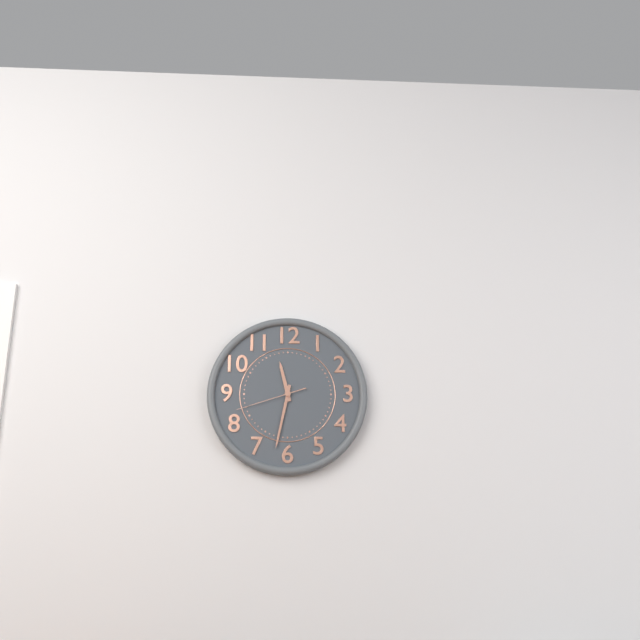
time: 11:32:42
